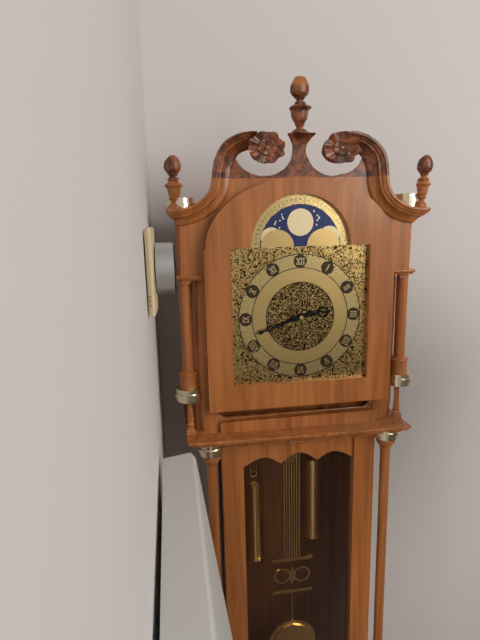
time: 2:42
